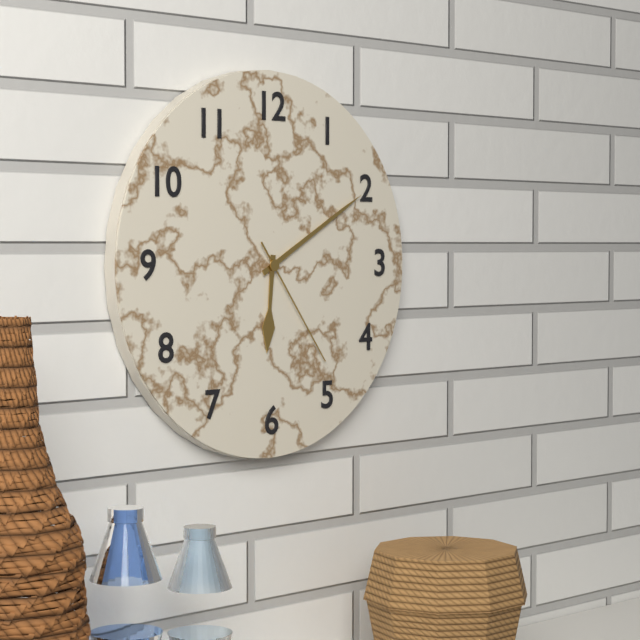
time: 6:10:24
